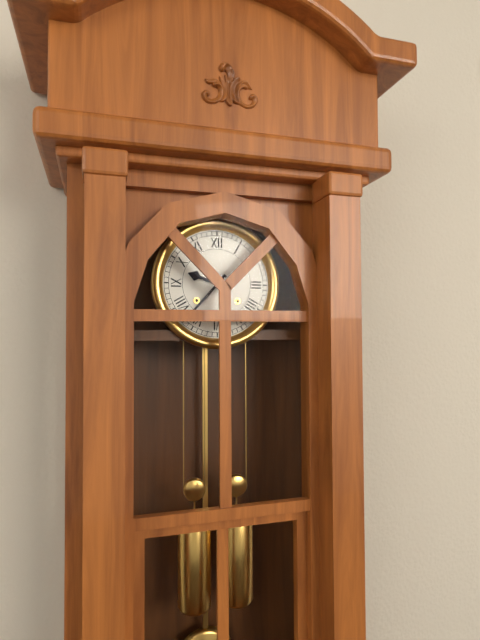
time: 9:37
